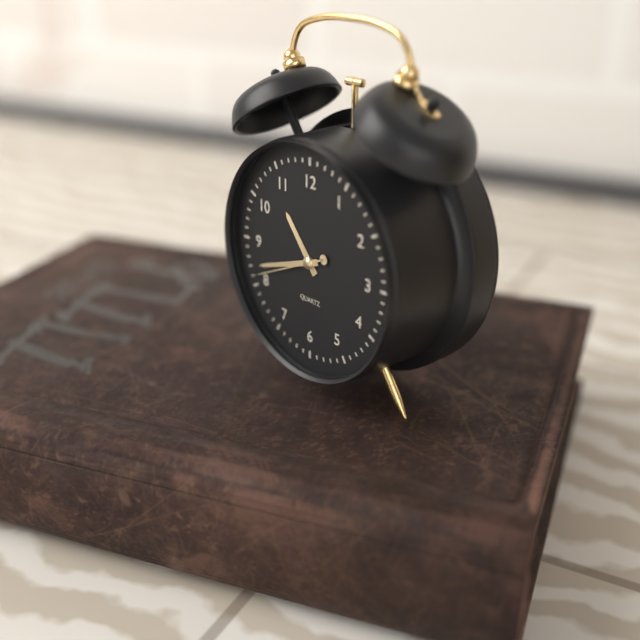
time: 10:42:41
